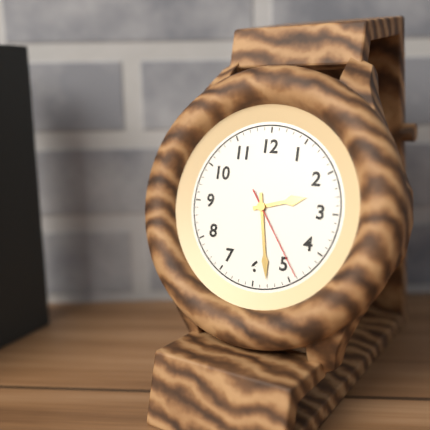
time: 2:28:24
